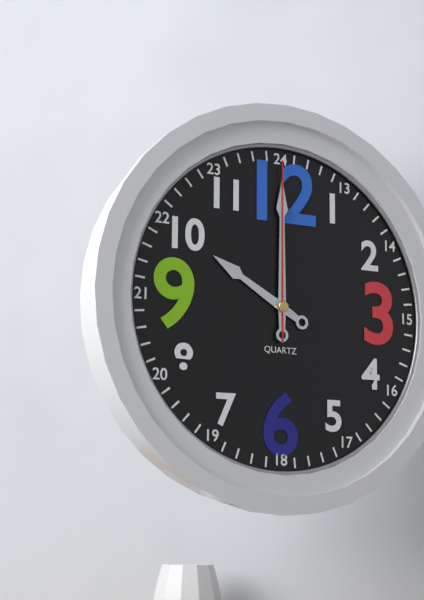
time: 10:00:00
